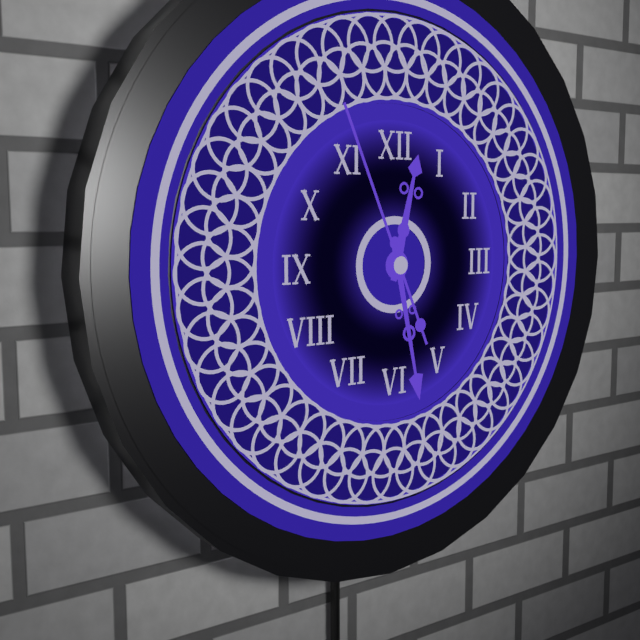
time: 12:28:56
